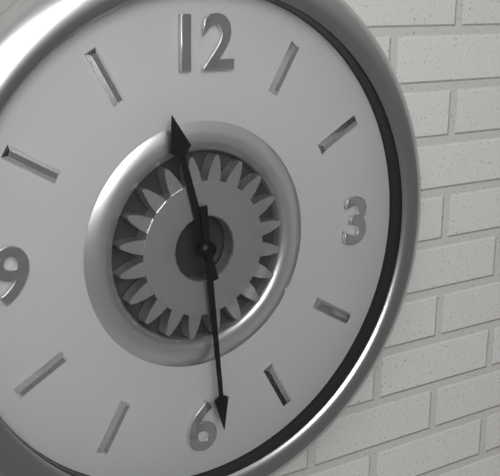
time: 11:29
